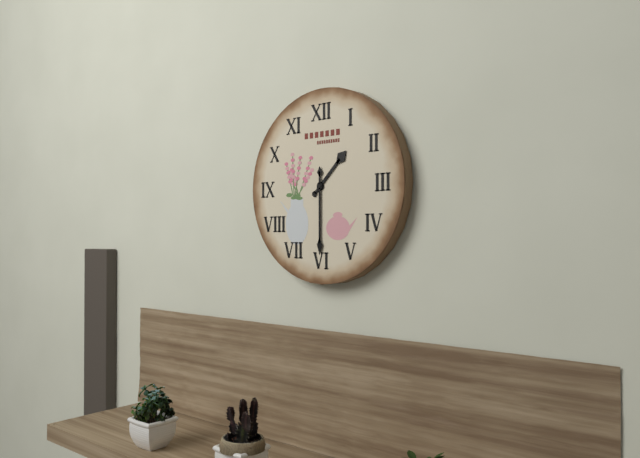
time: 1:30
